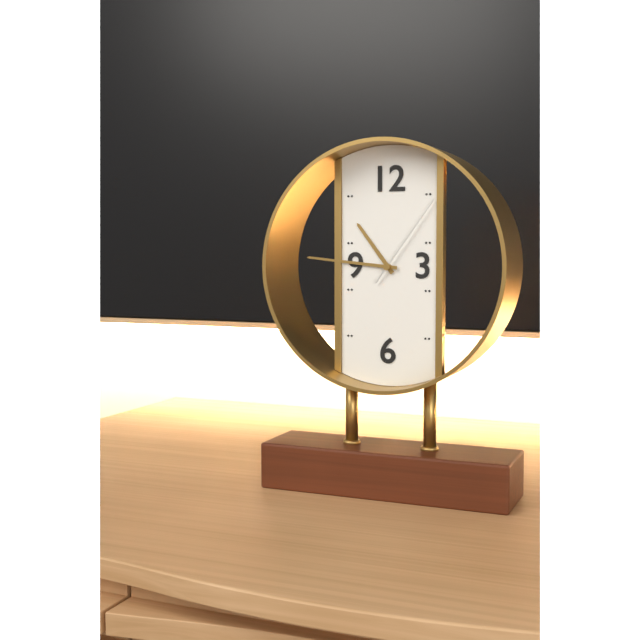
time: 10:46:06
